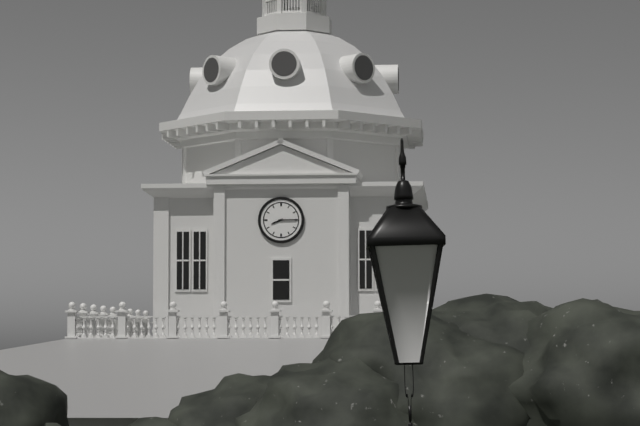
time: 8:15
